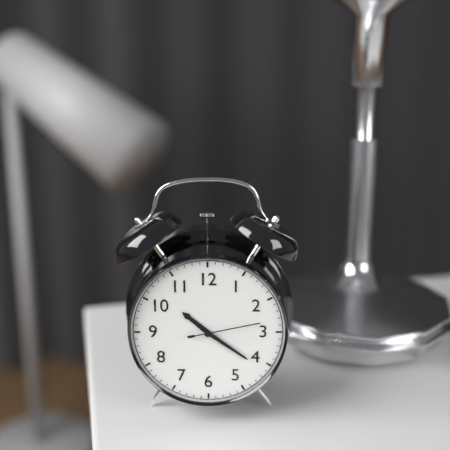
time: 10:21:13
